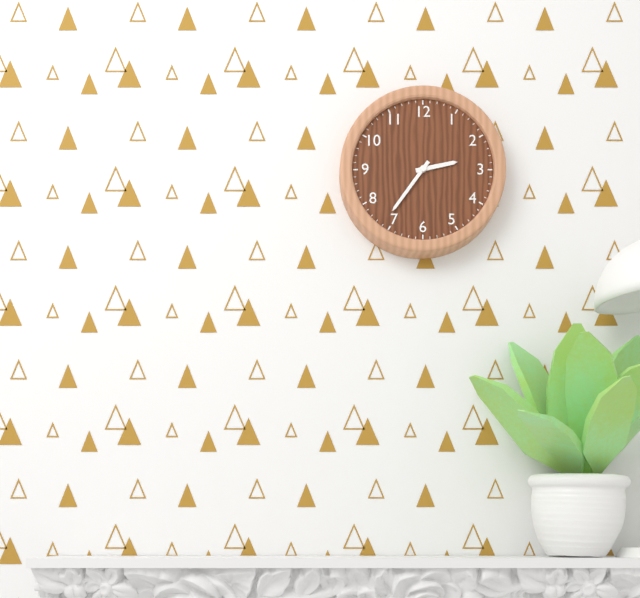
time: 2:36
